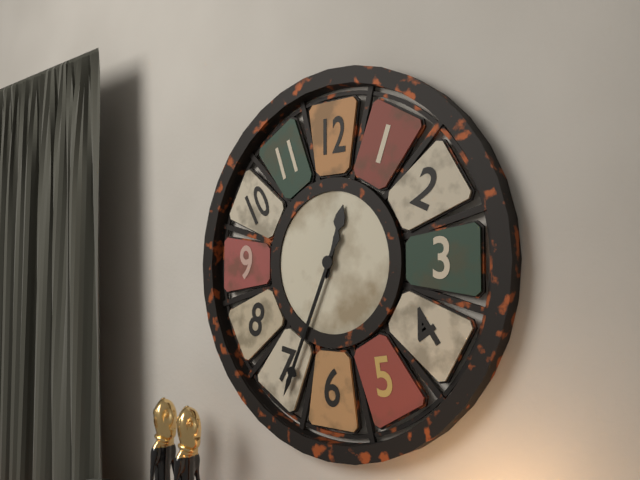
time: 12:34
